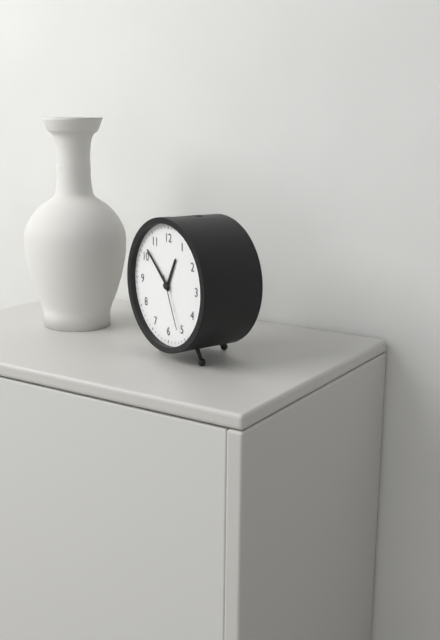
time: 12:52:26
